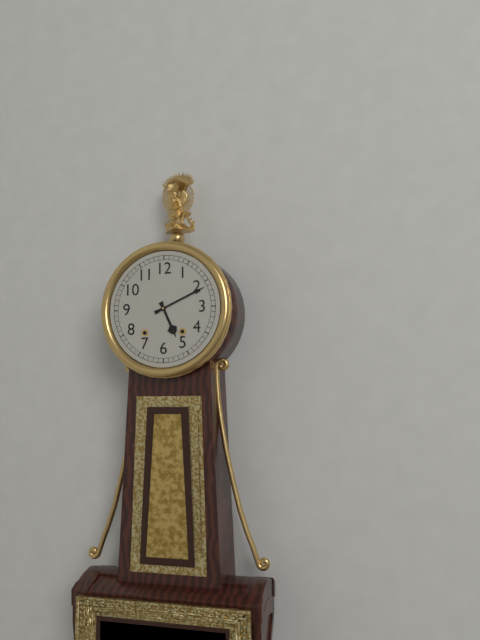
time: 5:11
